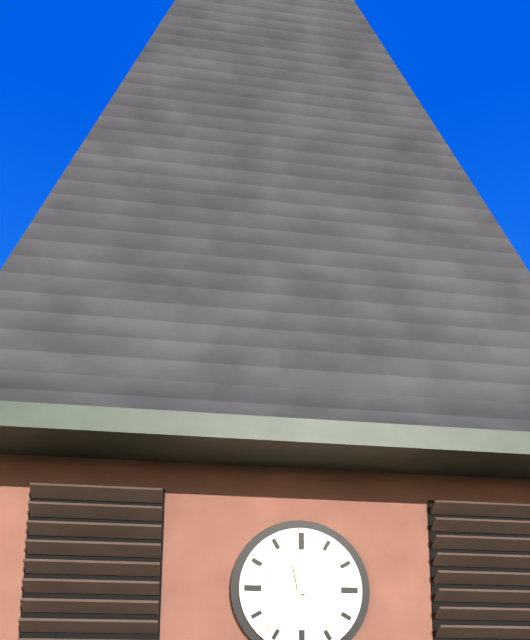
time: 11:37
